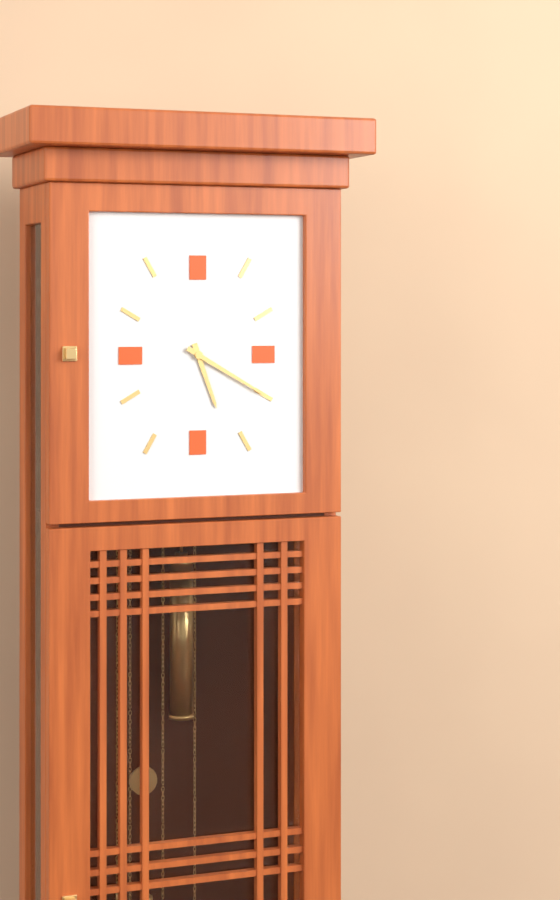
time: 5:20
